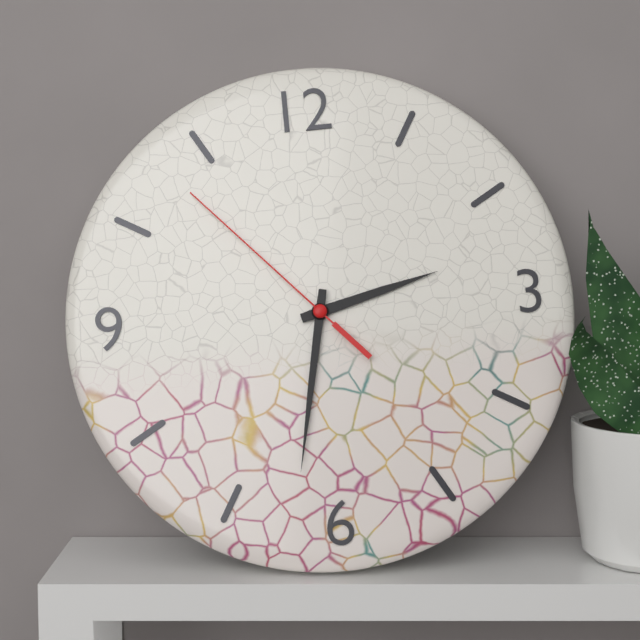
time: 2:32:53
